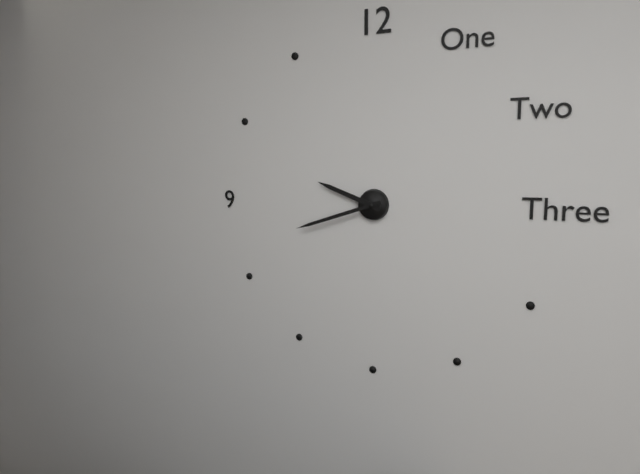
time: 9:42
